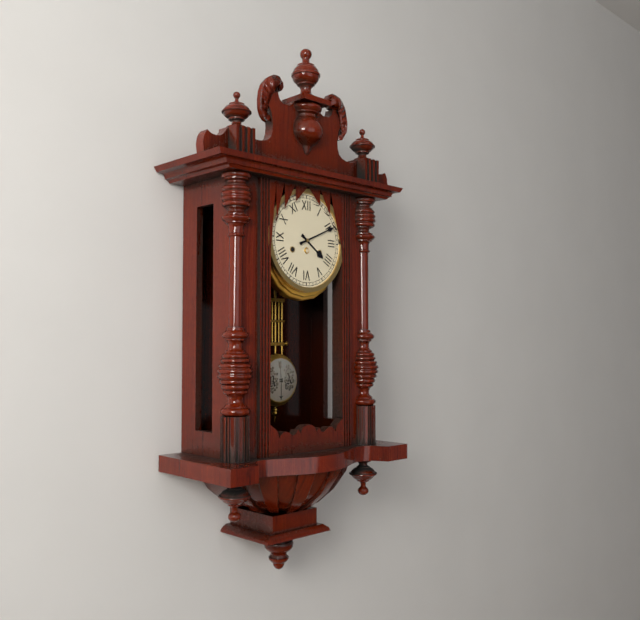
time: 4:11
